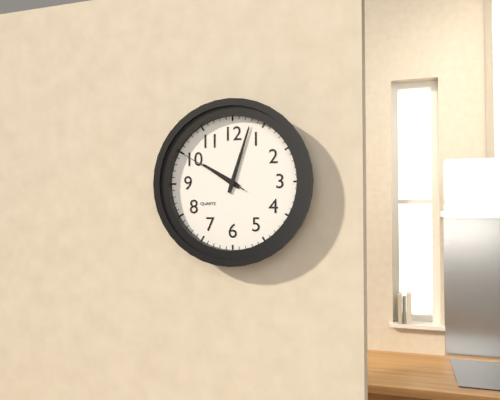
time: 10:03:50
